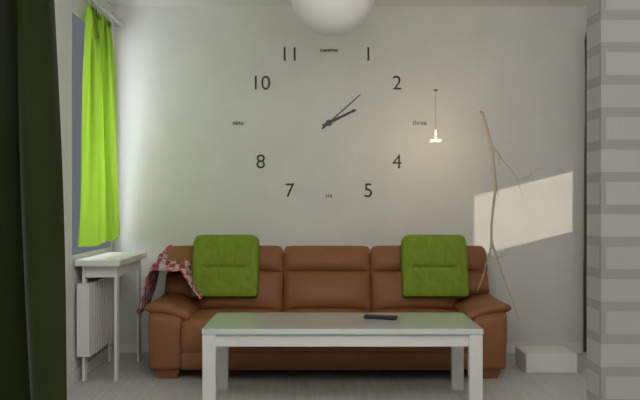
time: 2:08
